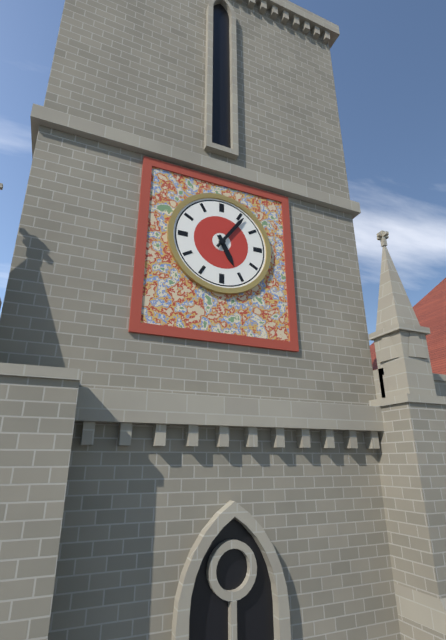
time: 5:06
